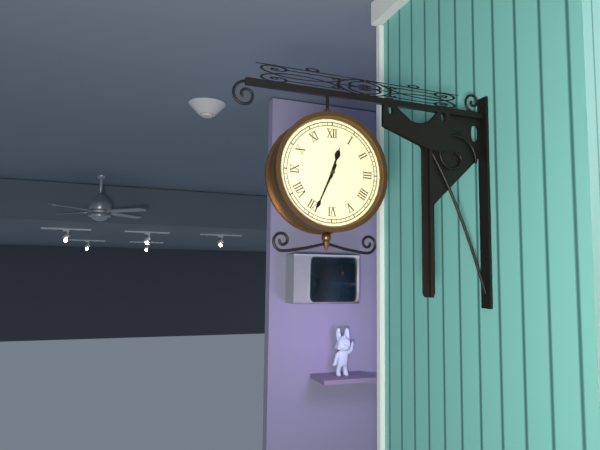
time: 12:34
